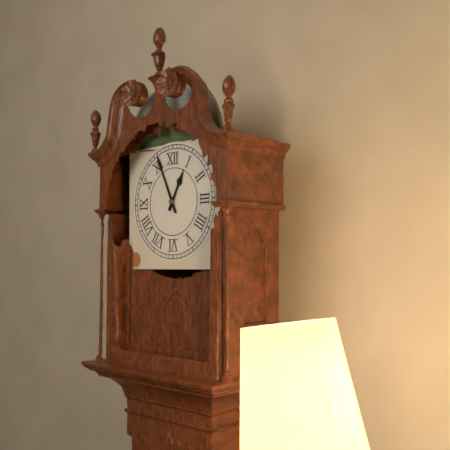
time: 12:56
